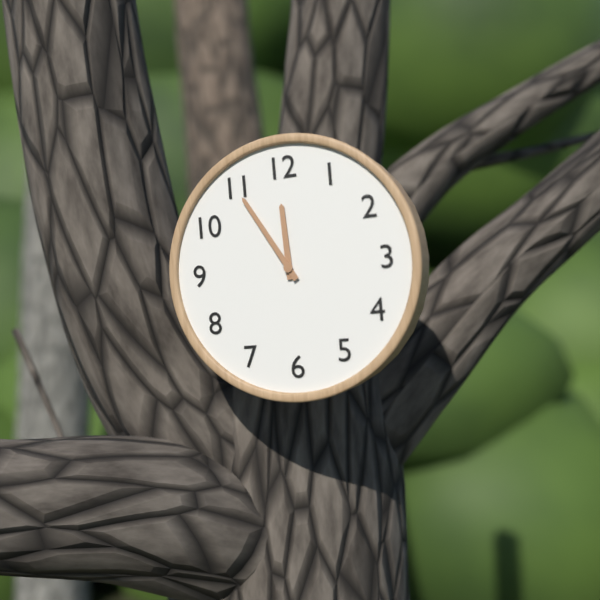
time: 11:55
